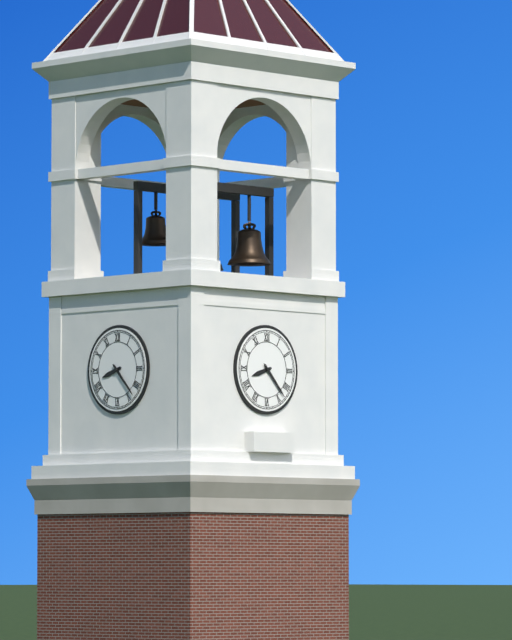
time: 8:23
